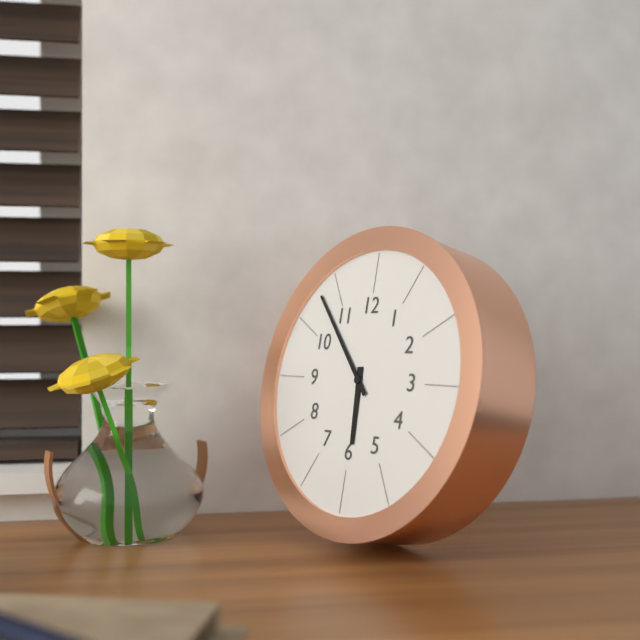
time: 5:53
